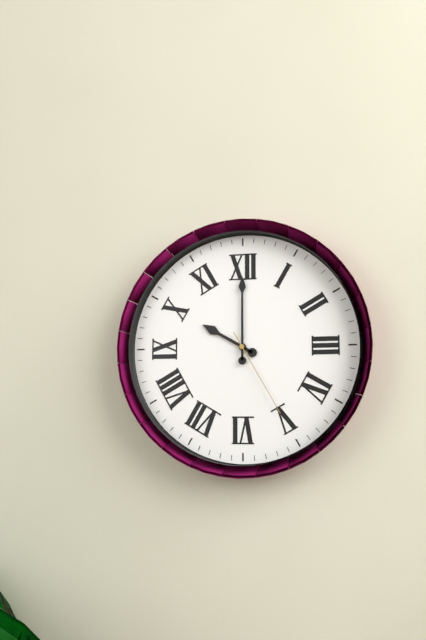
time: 10:00:25
